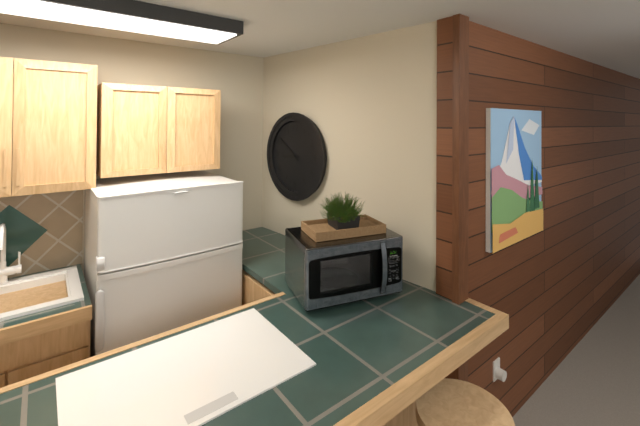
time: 8:51
